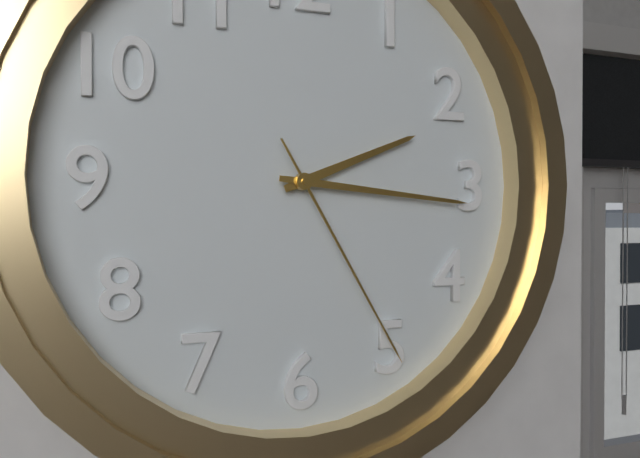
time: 2:16:25
